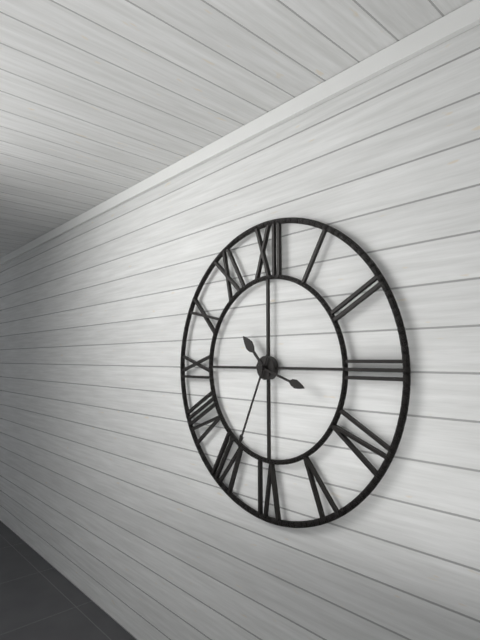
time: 10:34
